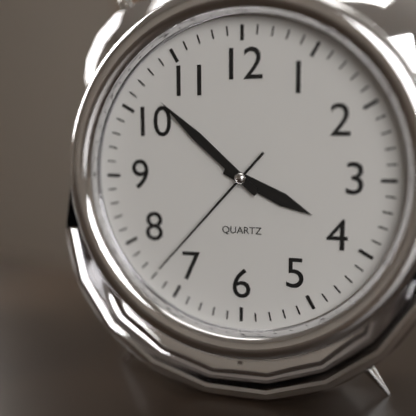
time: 3:52:37
